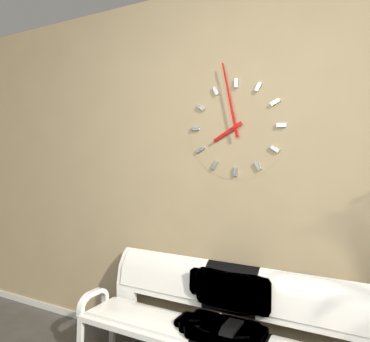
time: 7:58
